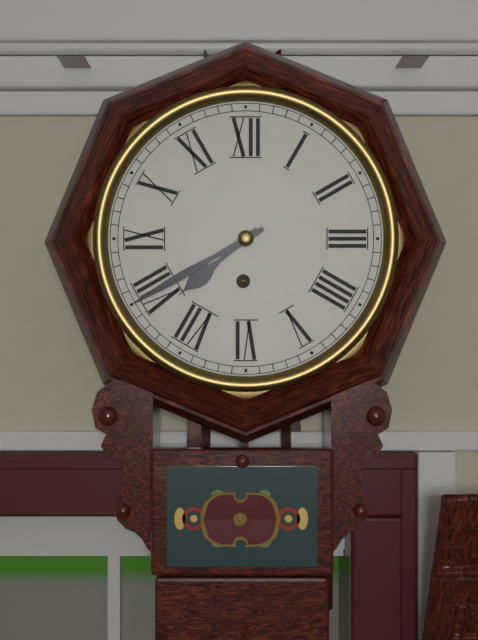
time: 7:40
